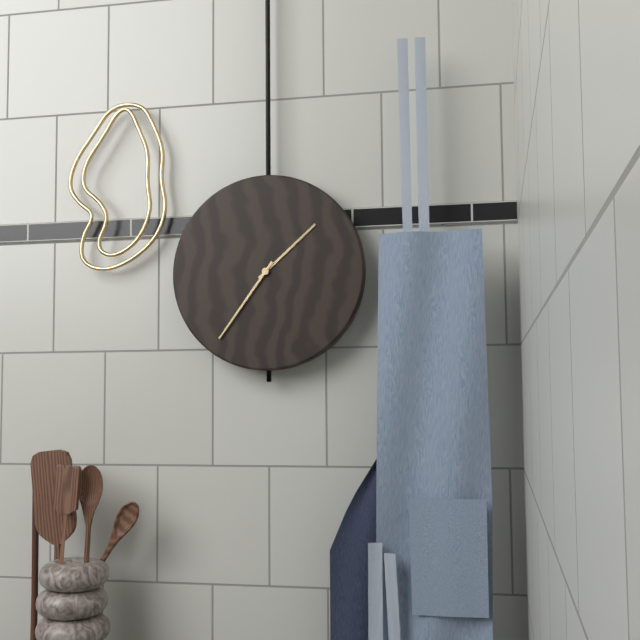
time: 1:36
